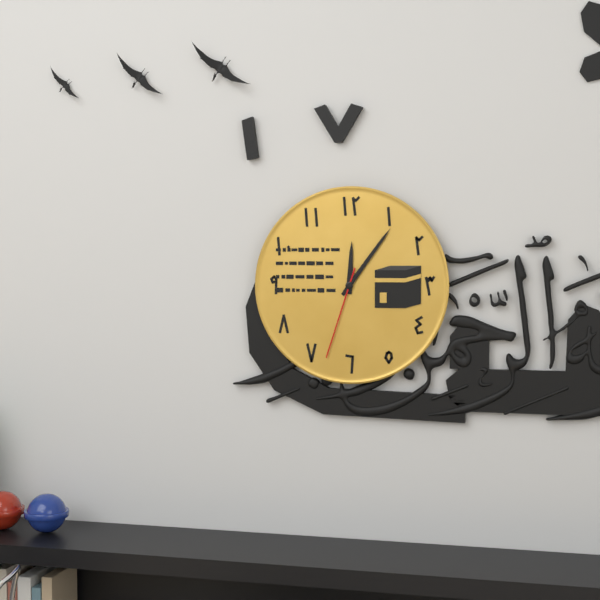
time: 12:06:33
